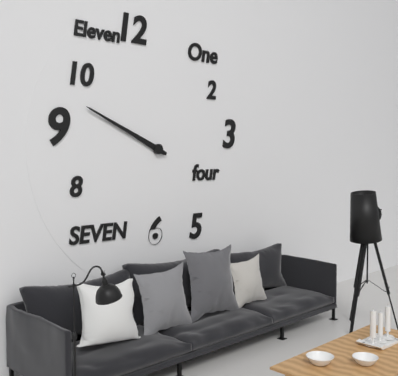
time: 9:49
